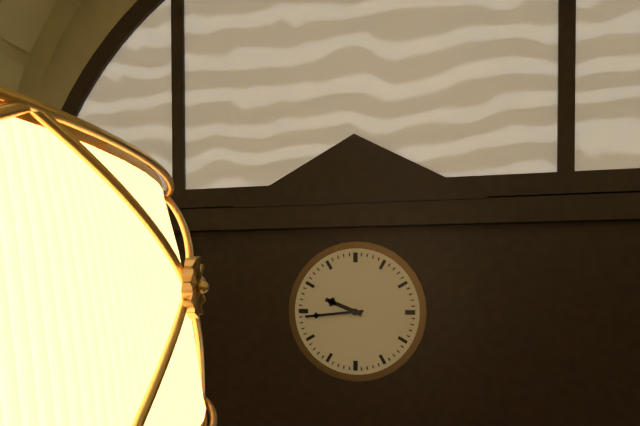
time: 9:44
